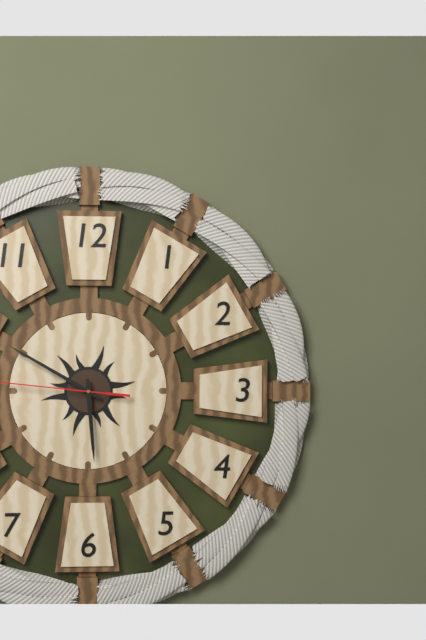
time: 5:50
